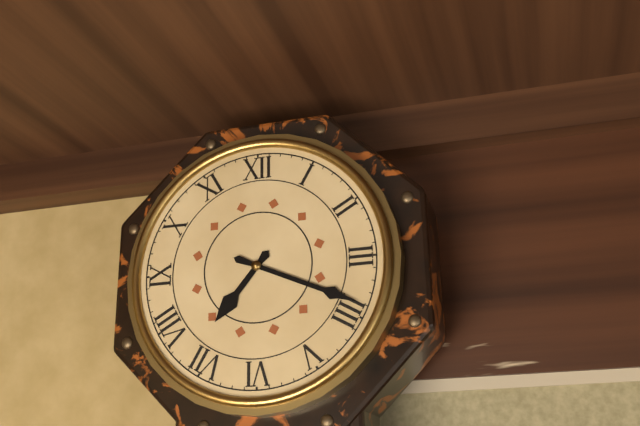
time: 7:19
